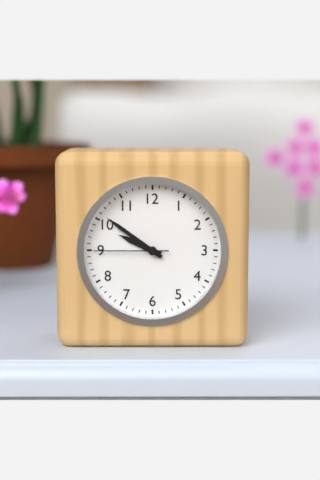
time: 9:51:45
